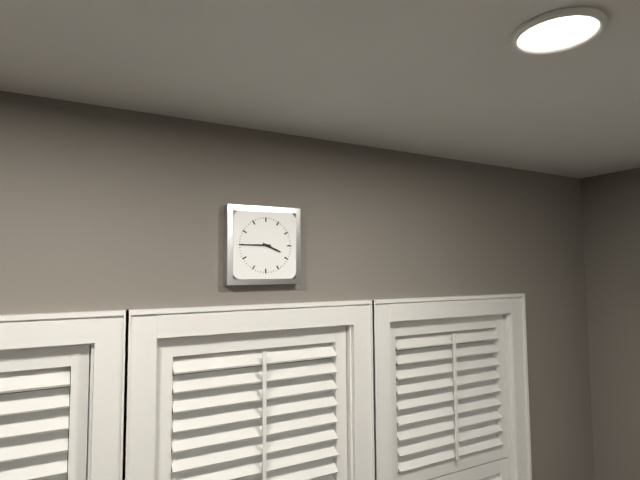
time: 3:45
